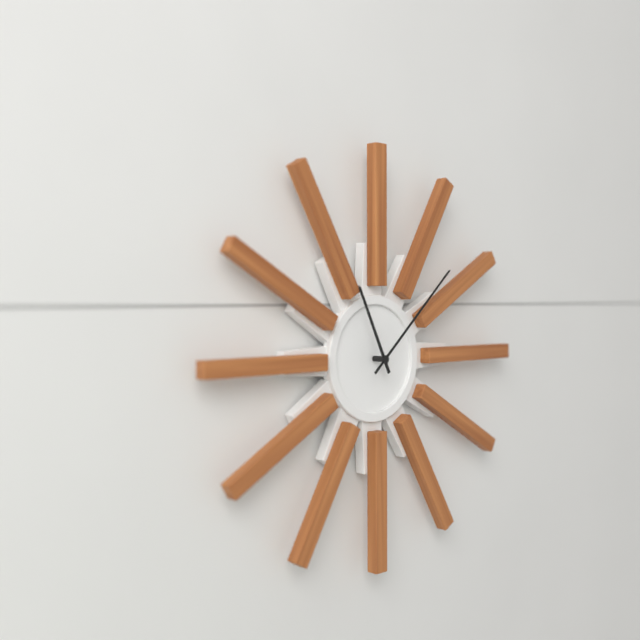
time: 11:08
